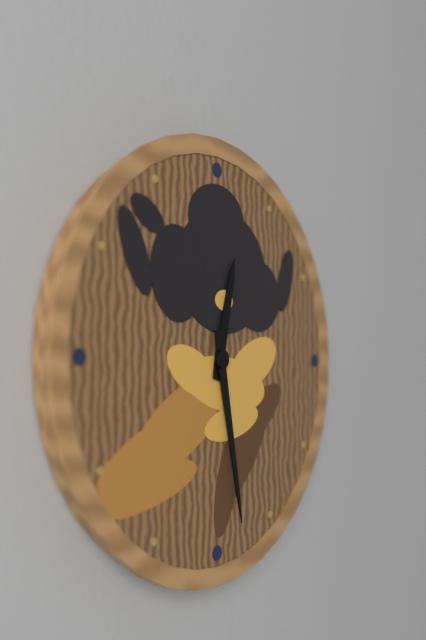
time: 12:28
